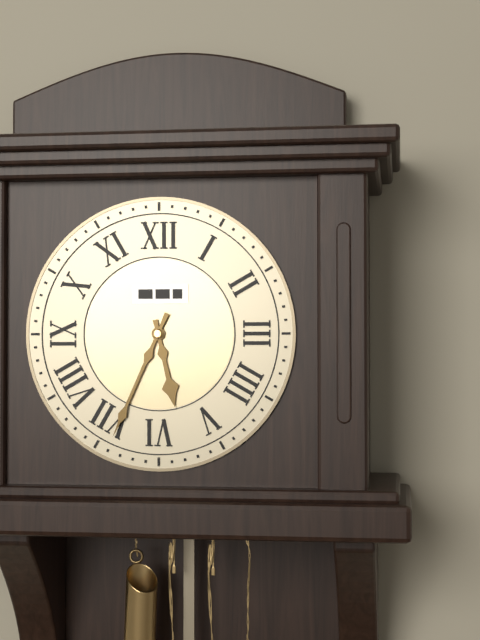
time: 5:34
